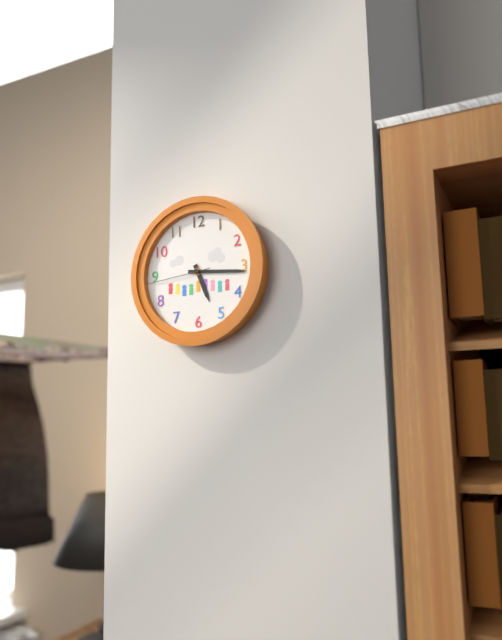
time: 5:16:44
